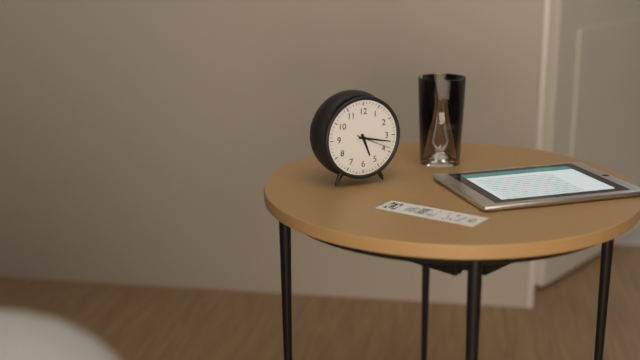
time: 5:17
